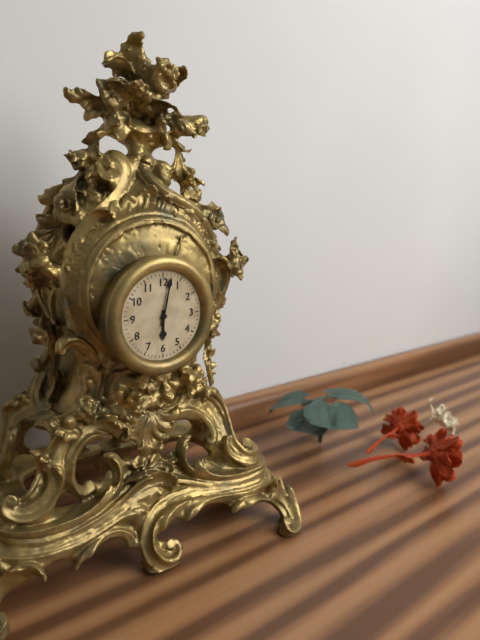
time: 6:02
